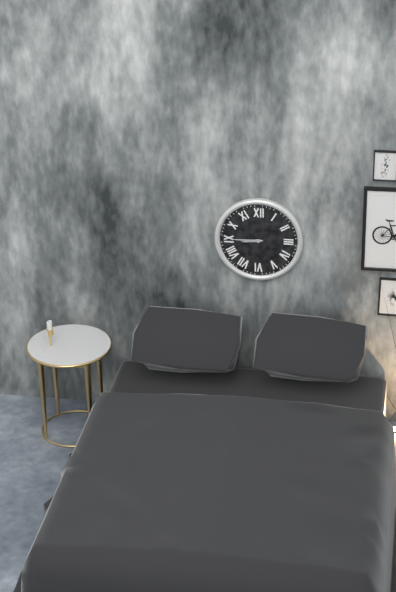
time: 8:45
